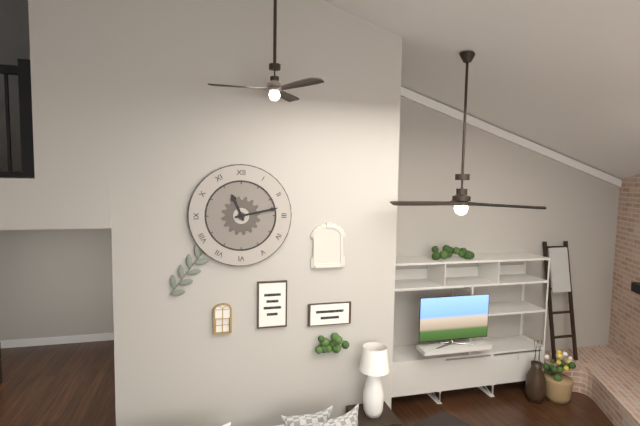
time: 11:13
